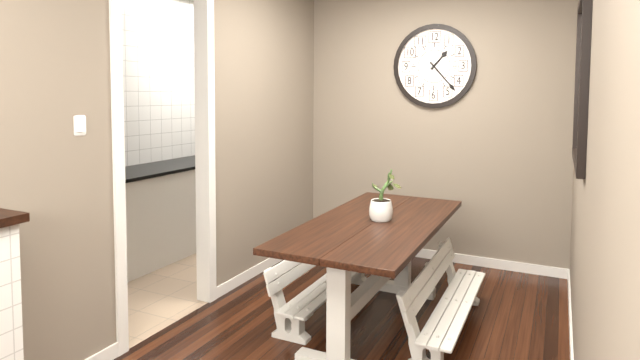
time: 1:23
